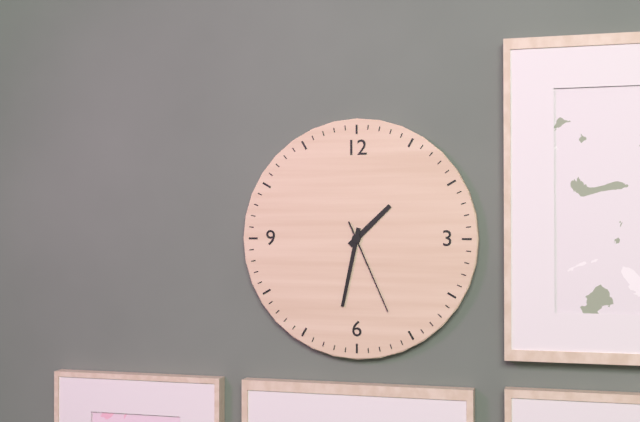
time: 1:32:26
